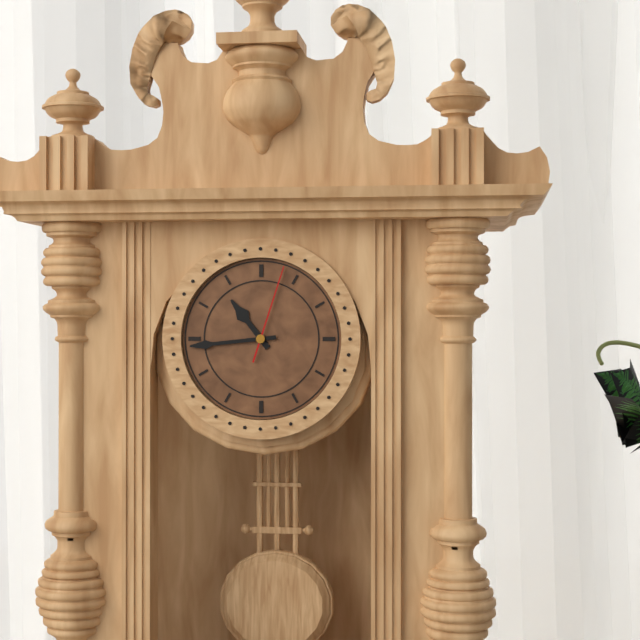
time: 10:44:03
